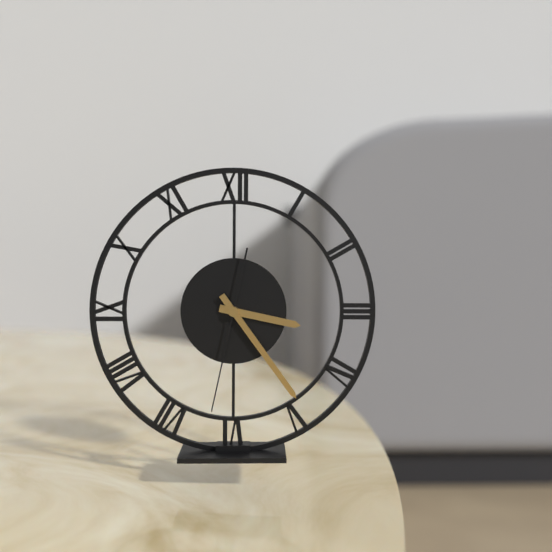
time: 3:24:32
